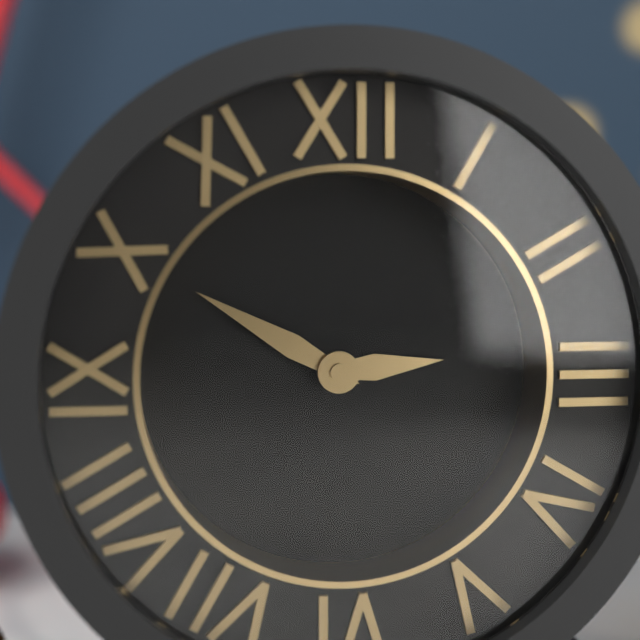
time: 2:50
